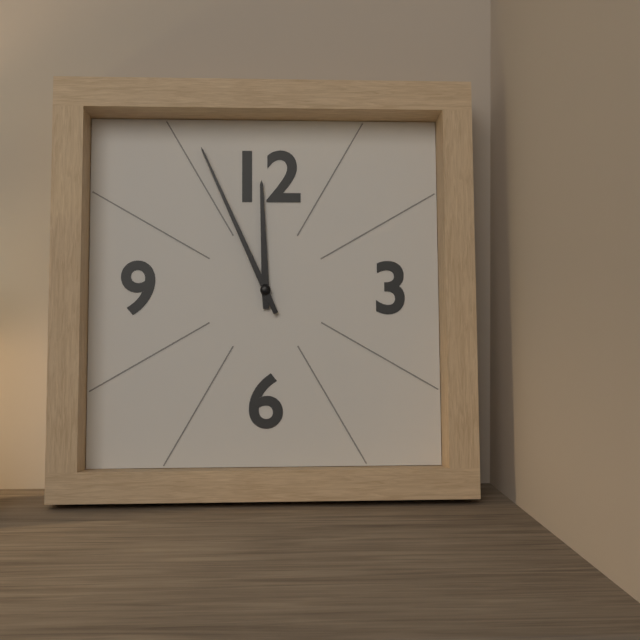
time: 11:56
